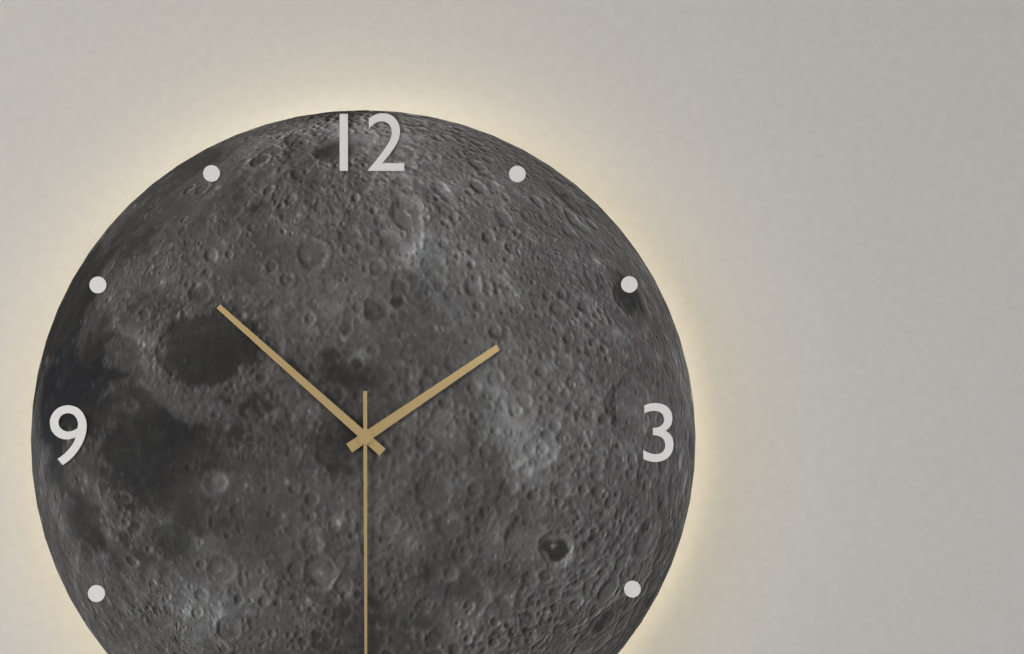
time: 1:52
